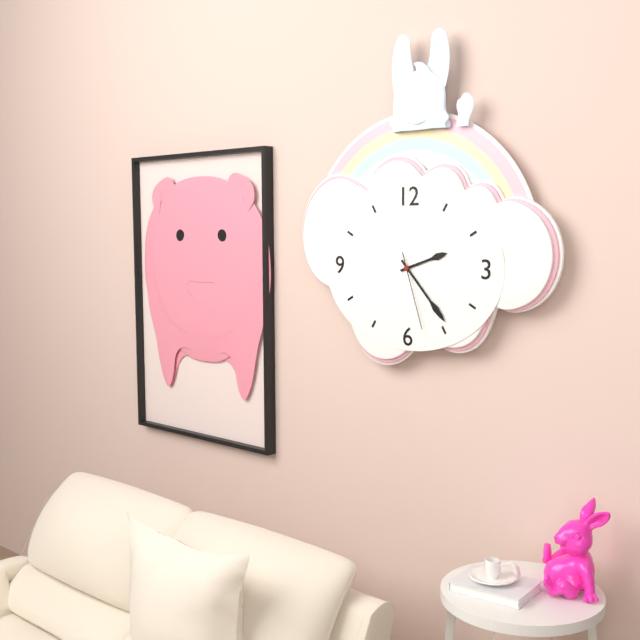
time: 2:23:27
